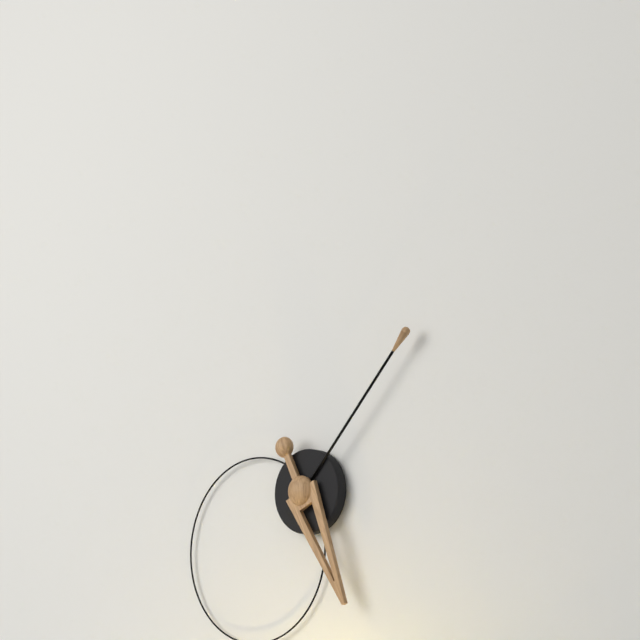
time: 5:07
